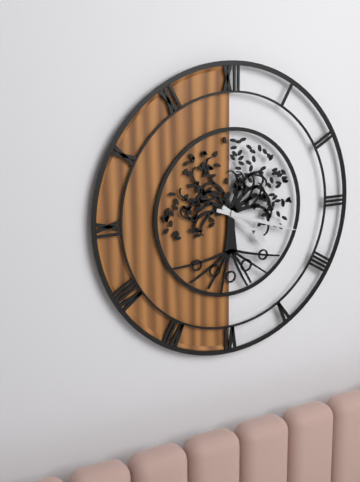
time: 4:18
